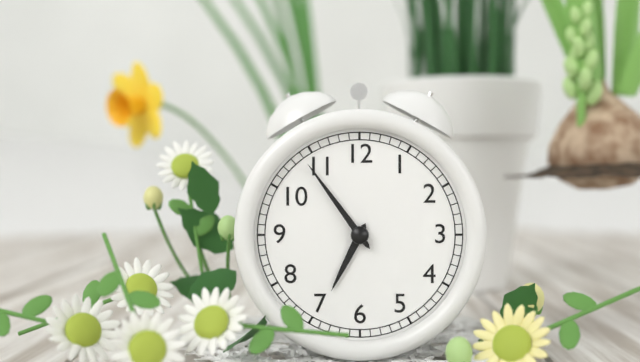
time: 6:54
